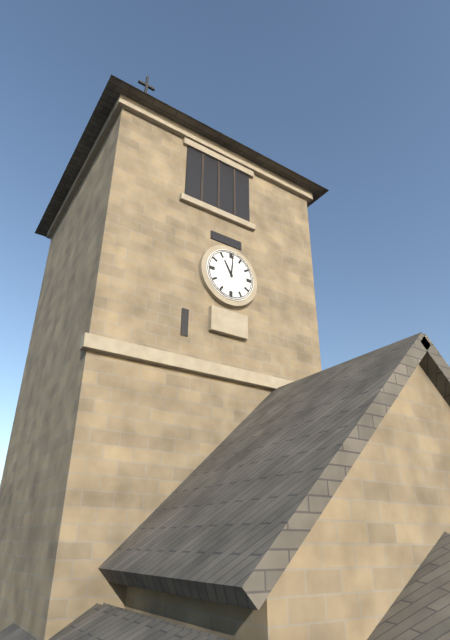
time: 11:01
